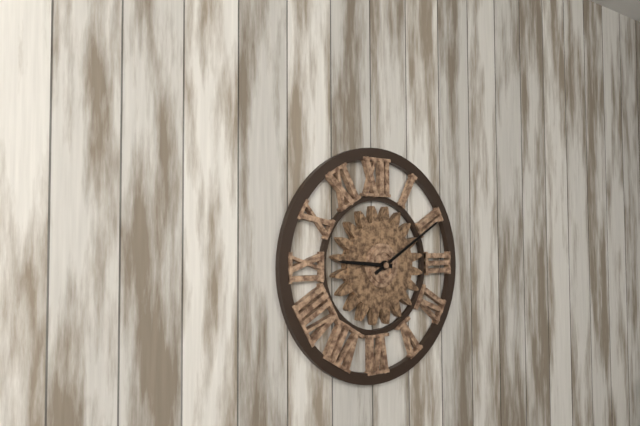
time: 9:10
